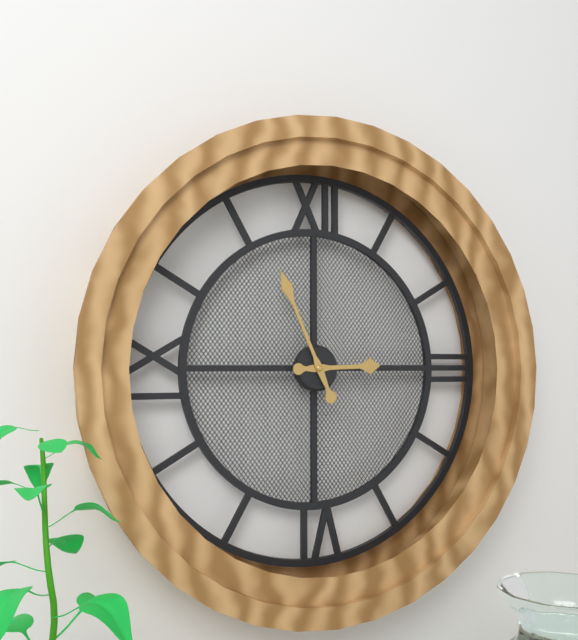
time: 2:56
